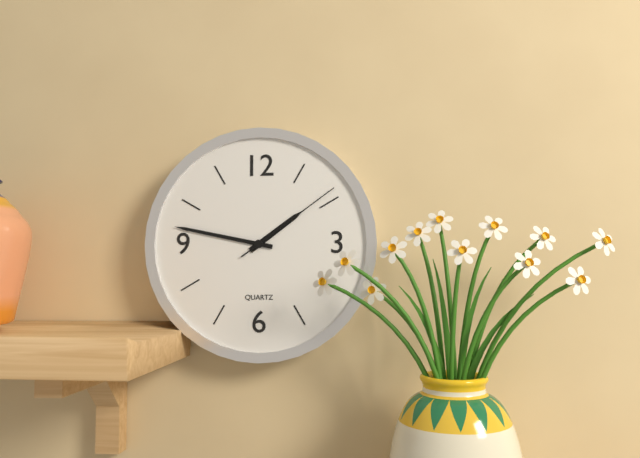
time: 1:47:09
